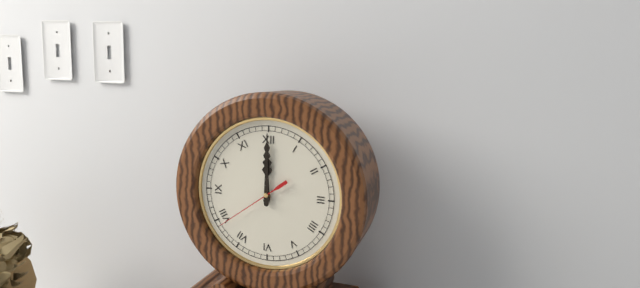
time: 12:00:39
